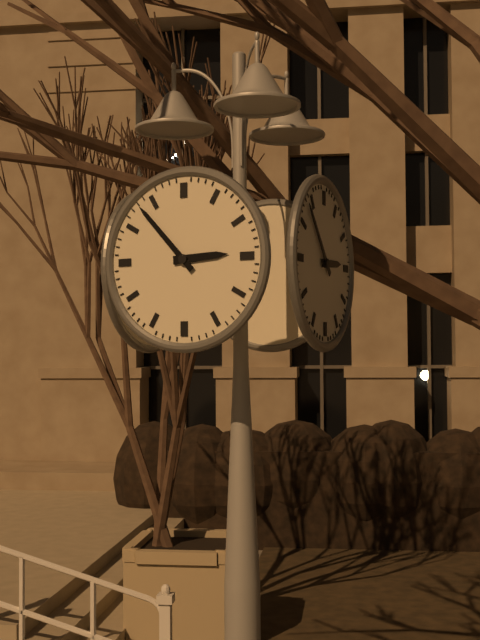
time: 2:53
